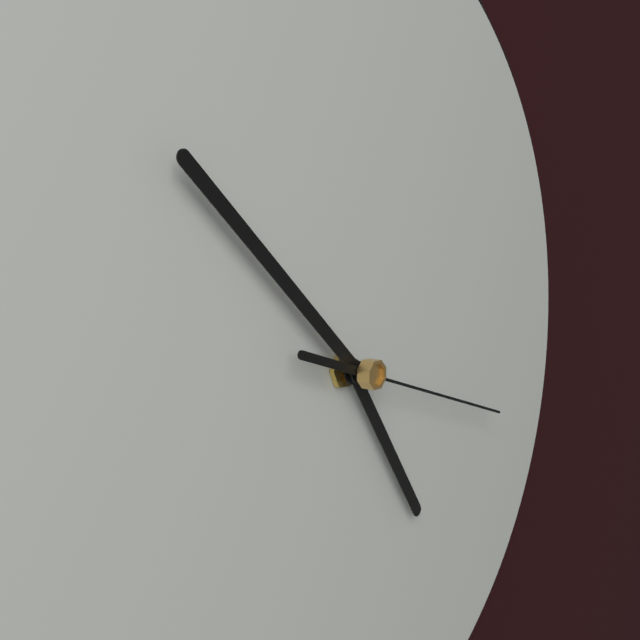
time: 4:52:18
